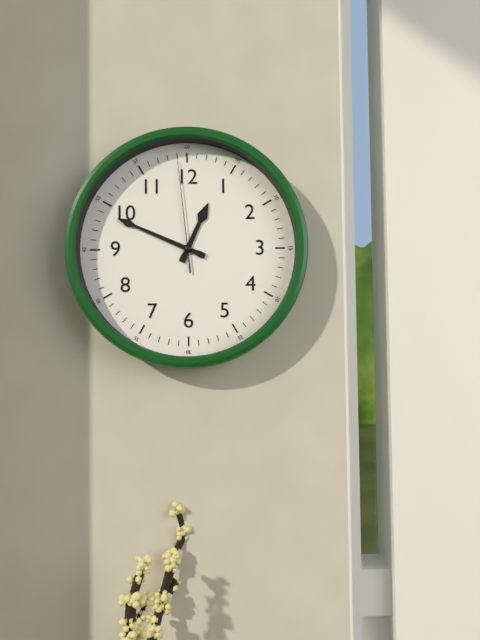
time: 12:49:59
